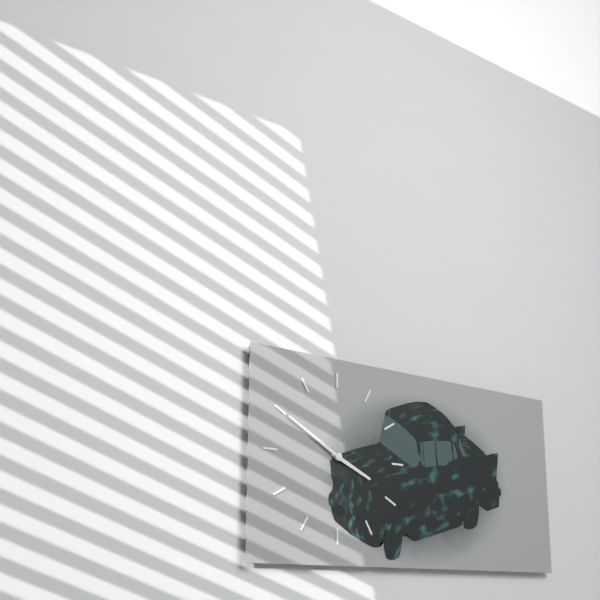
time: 3:50
